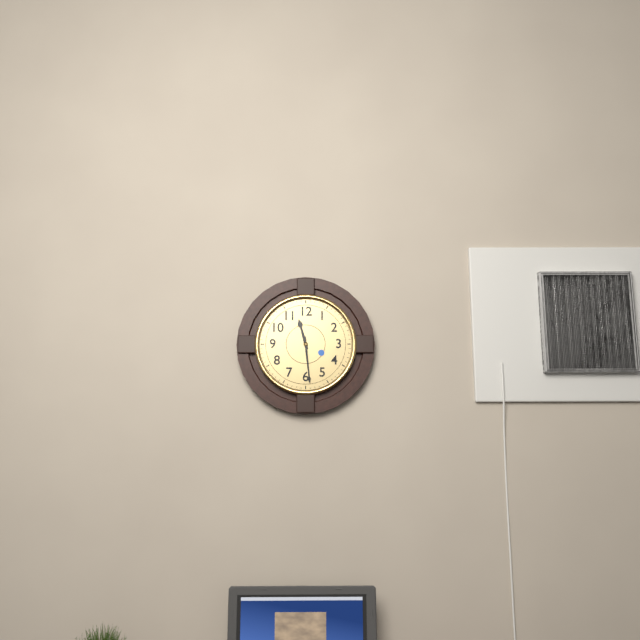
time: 11:29
